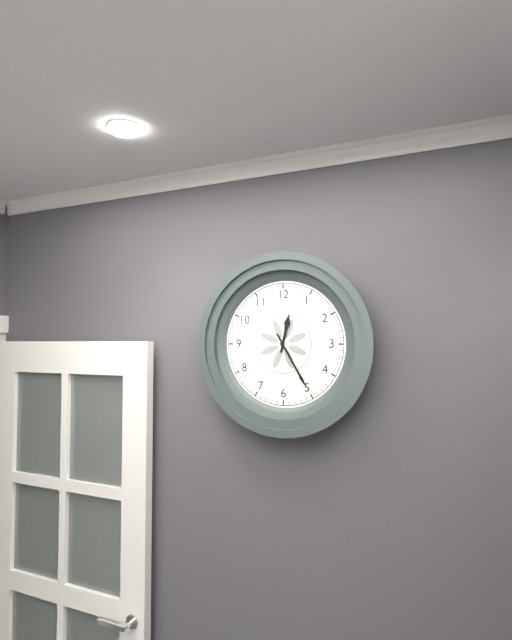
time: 12:25
